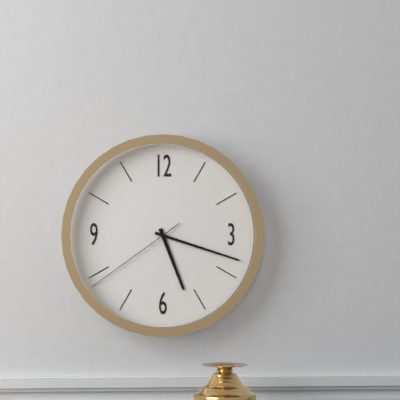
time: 5:18:39
